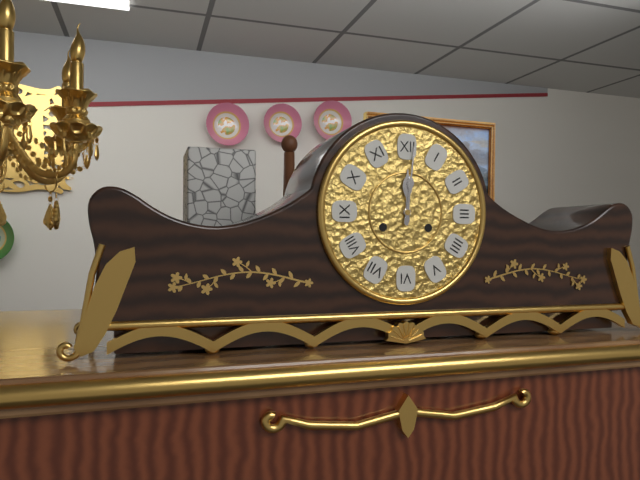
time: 12:01
